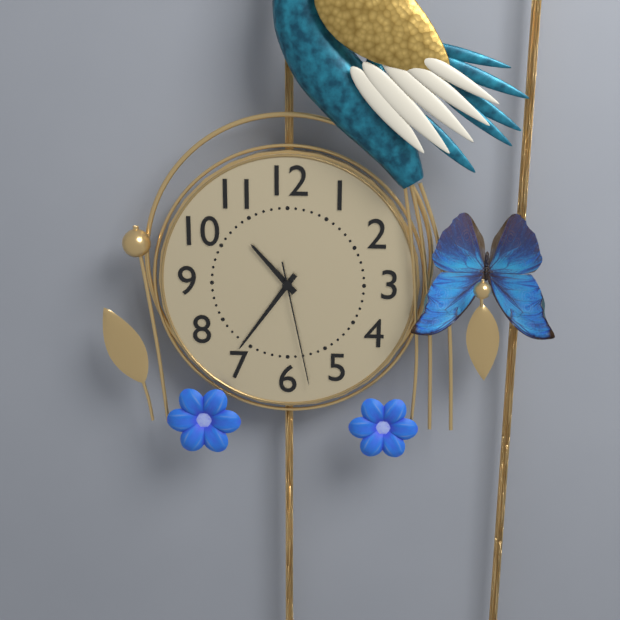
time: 10:36:28
